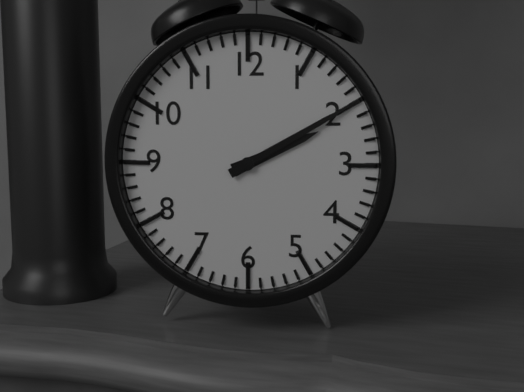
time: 2:10
